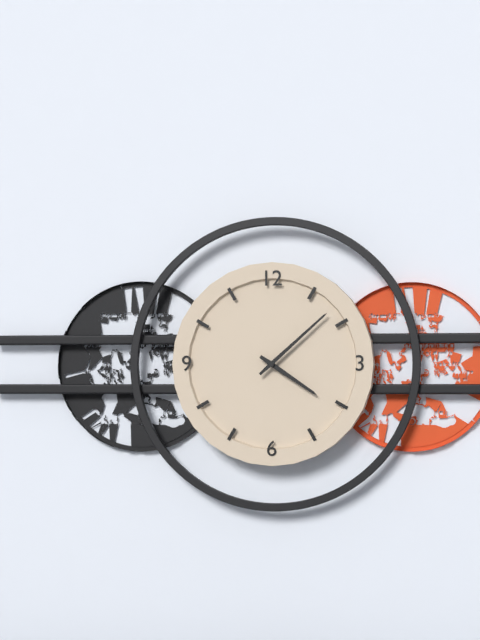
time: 4:08
